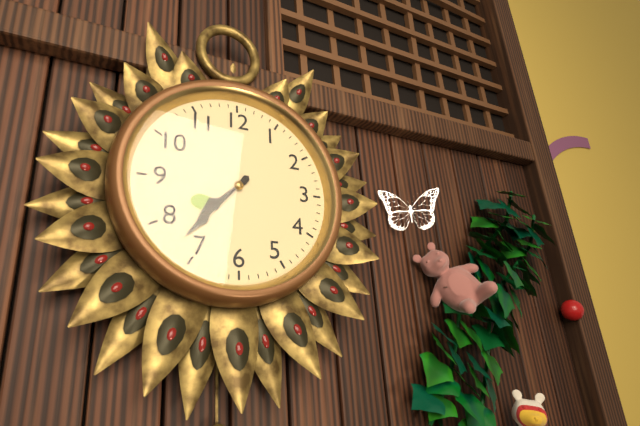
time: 7:37
